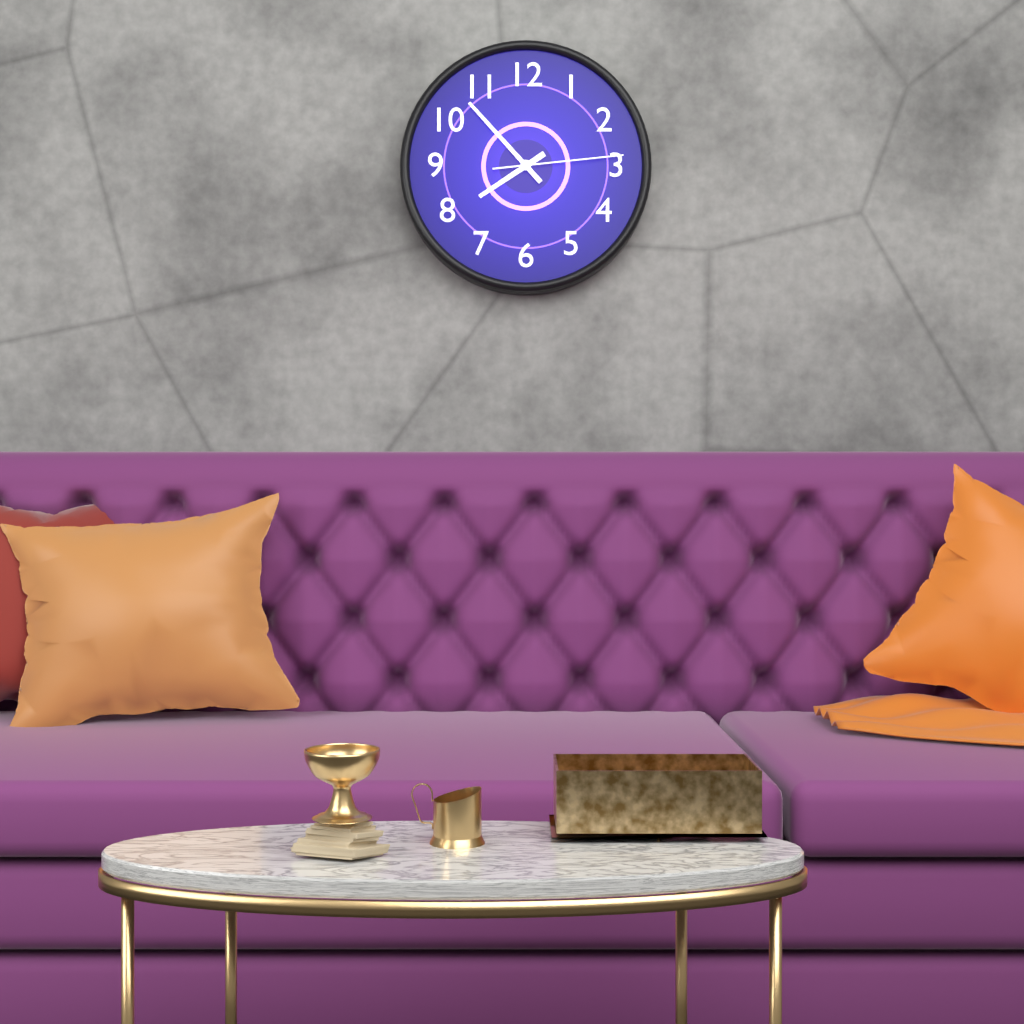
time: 7:53:14
